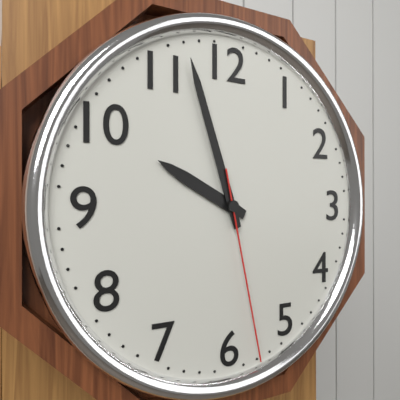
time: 9:57:28
